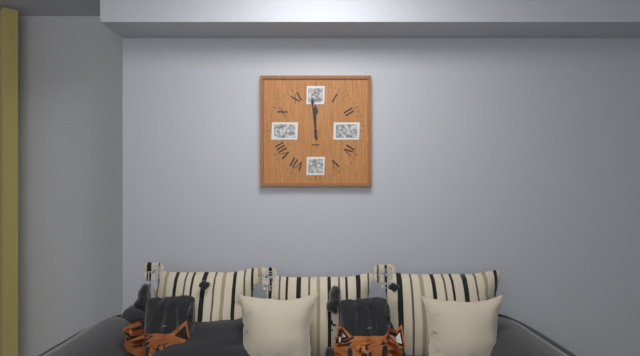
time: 11:59
